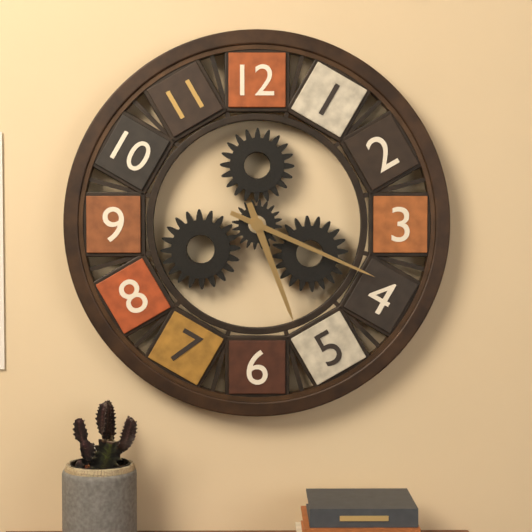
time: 5:19
